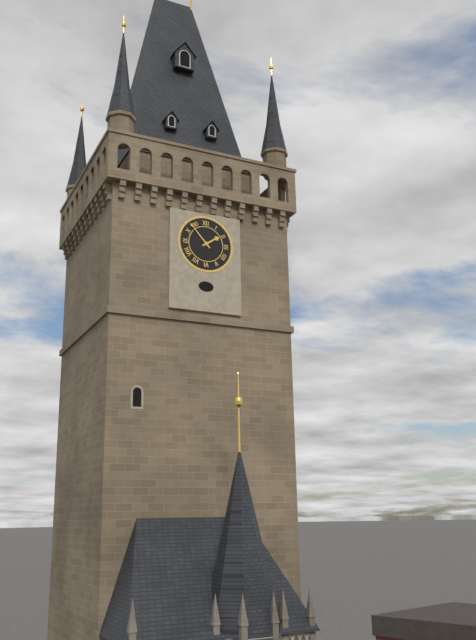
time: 1:53
